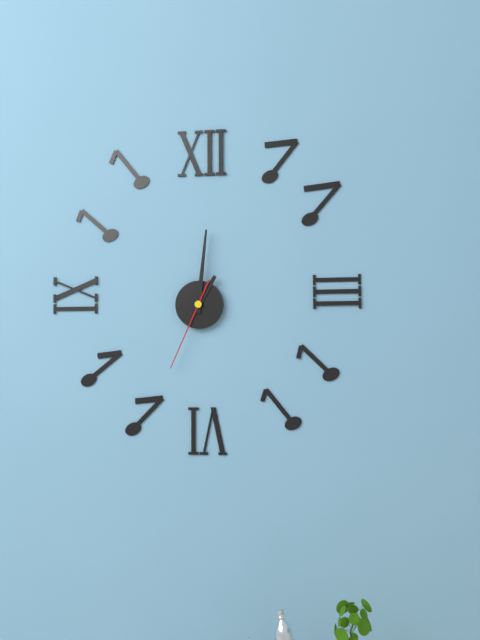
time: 1:01:34
